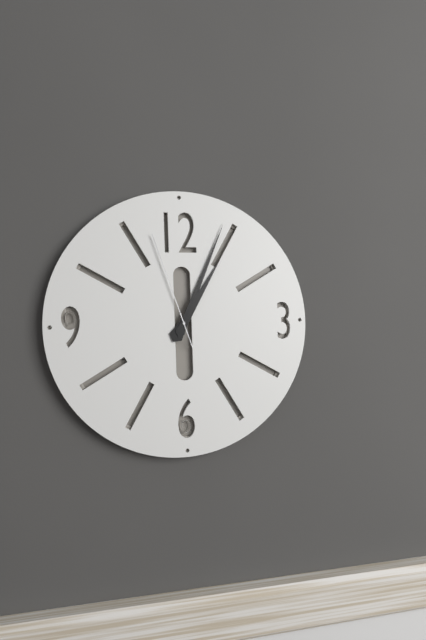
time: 1:04:57
